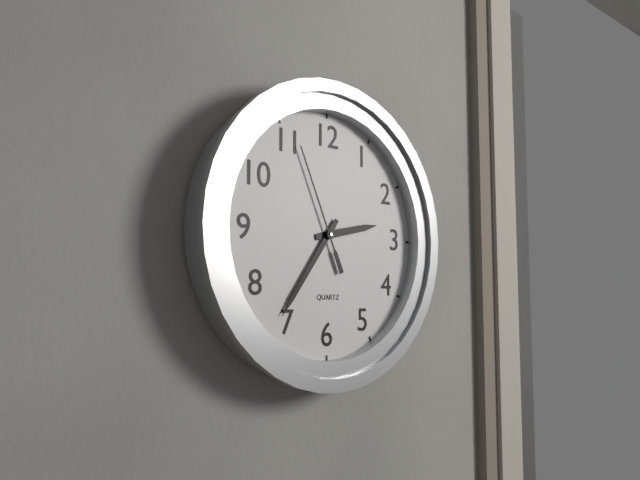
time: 2:36:56
